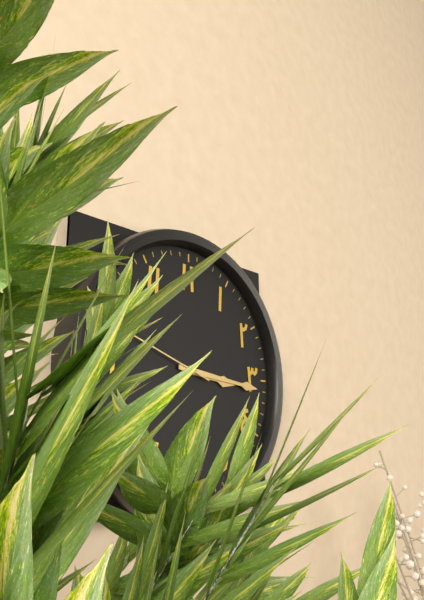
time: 3:16
